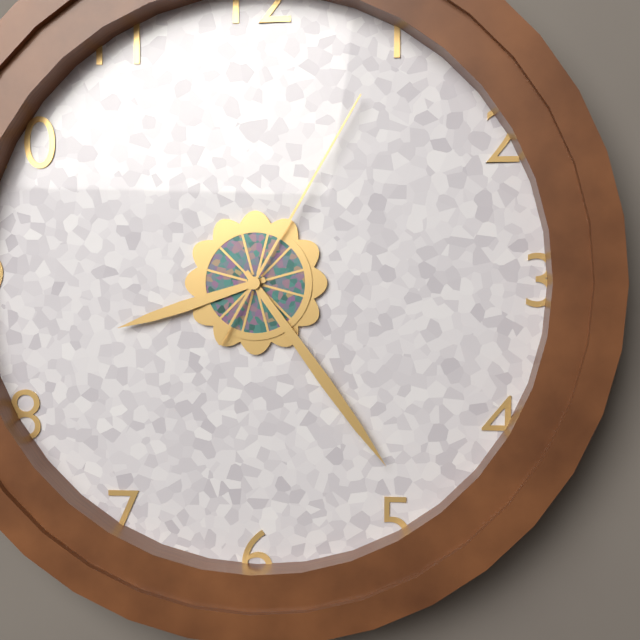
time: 8:24:05
